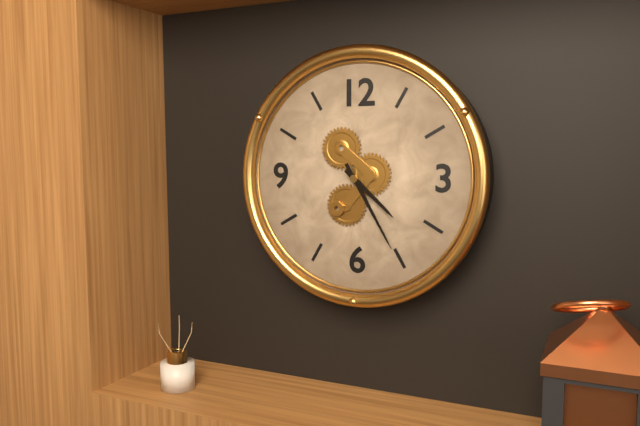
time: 4:25
